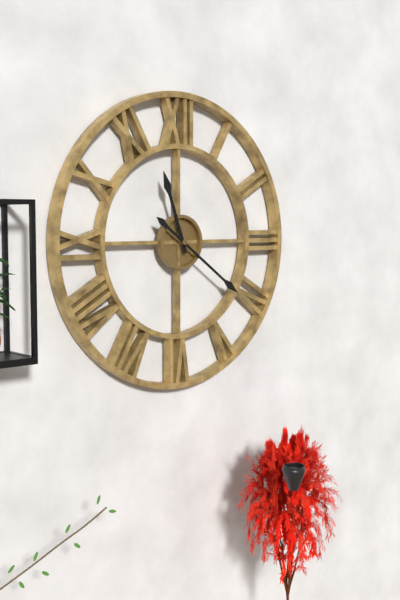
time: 11:21
